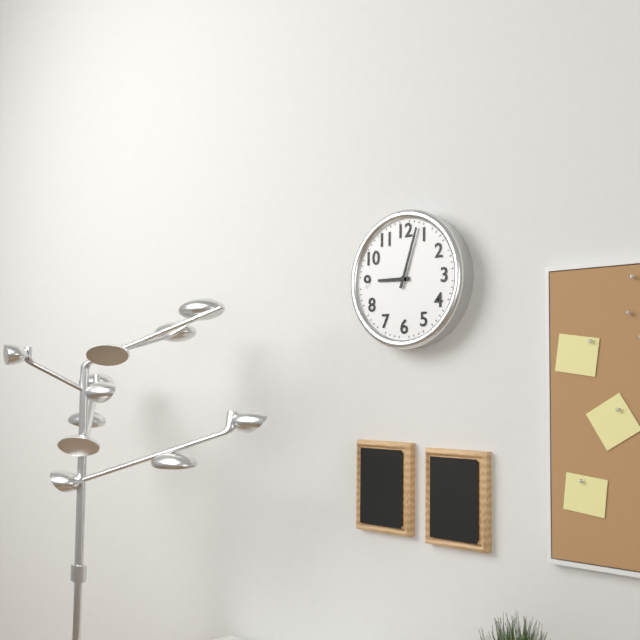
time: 9:03
